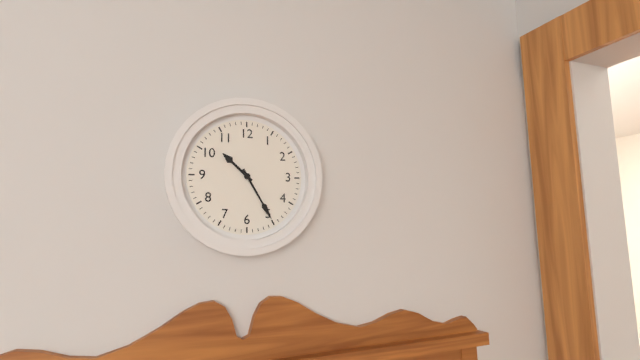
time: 10:25
